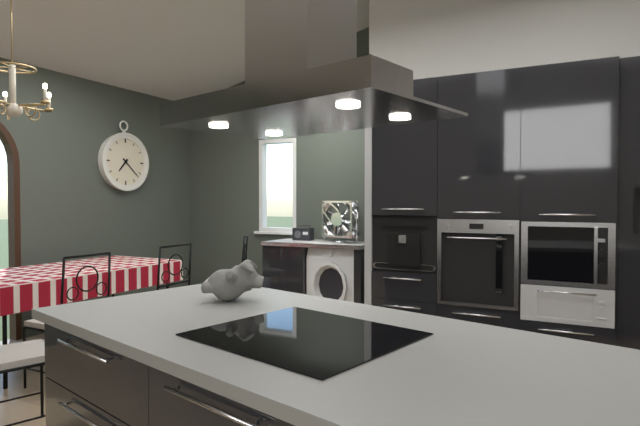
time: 7:22
